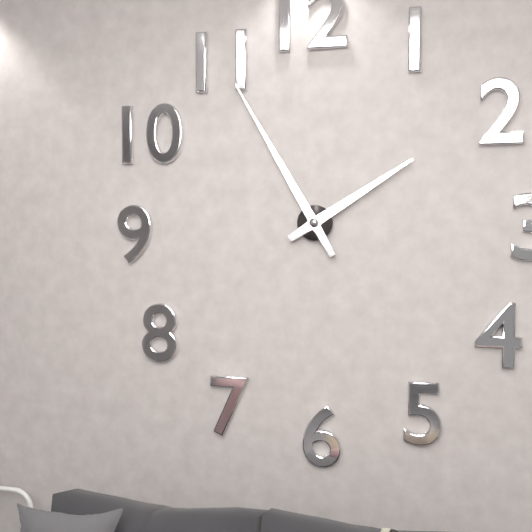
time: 1:55
